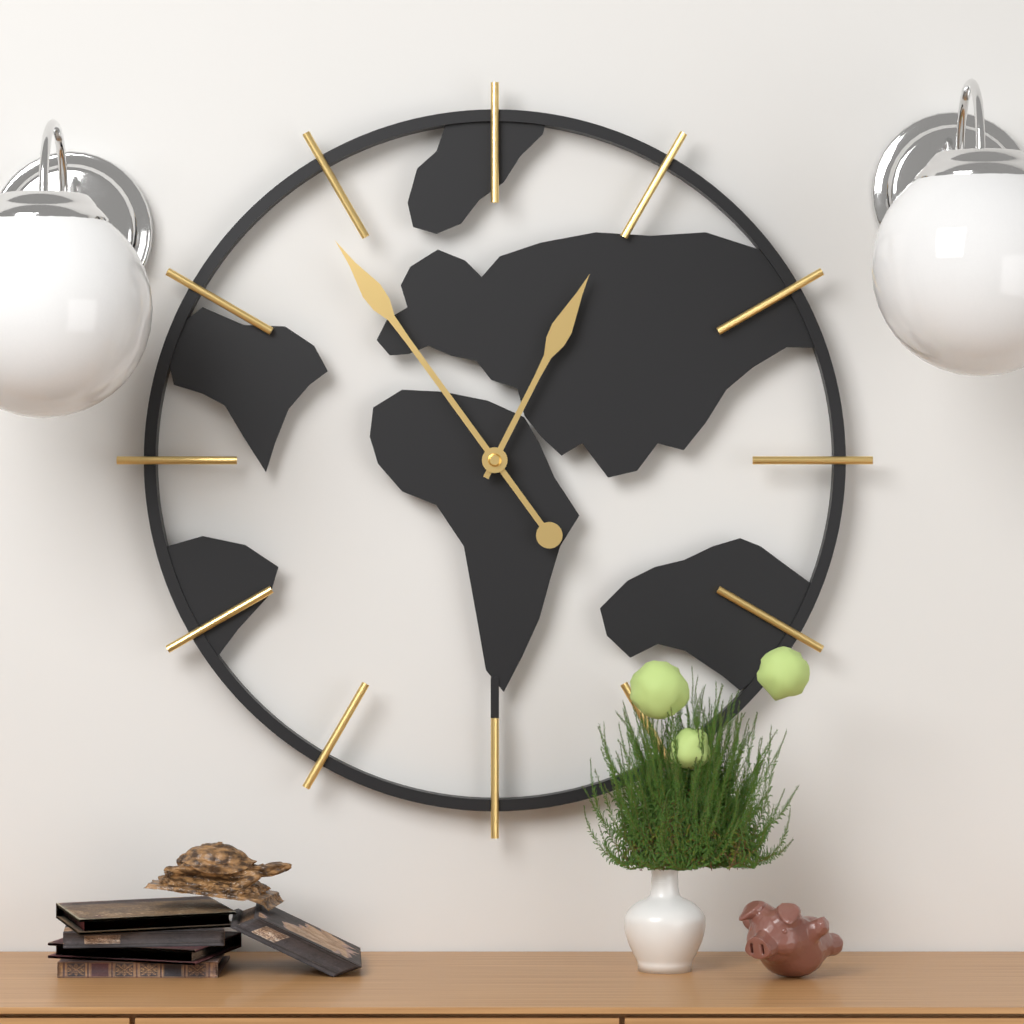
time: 12:54
